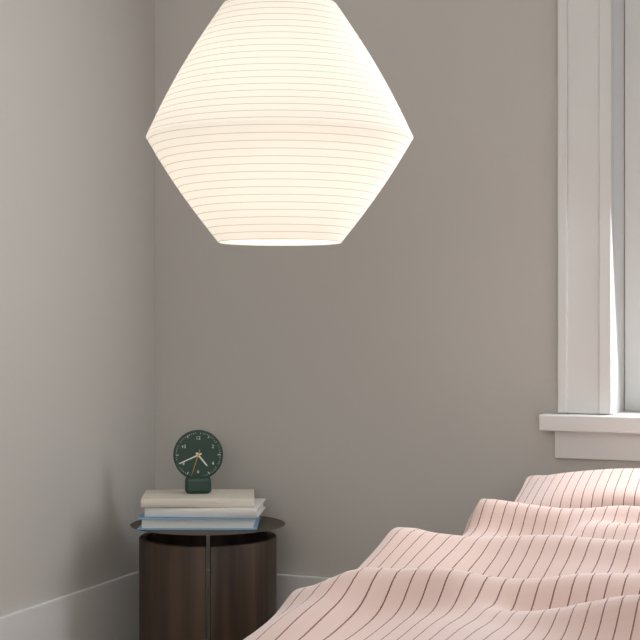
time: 4:41
